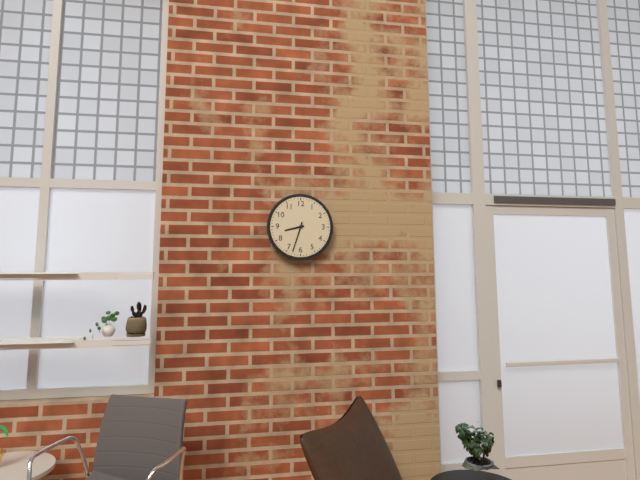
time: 8:33
